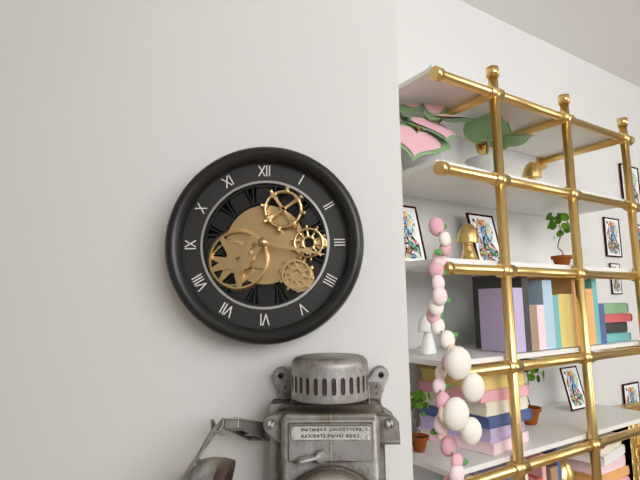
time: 7:17
